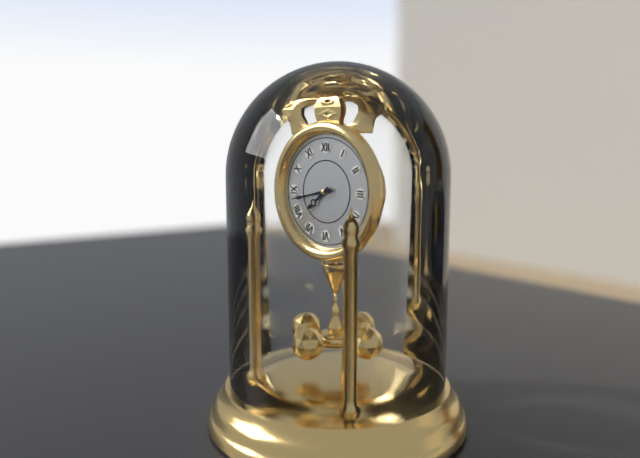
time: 7:43
